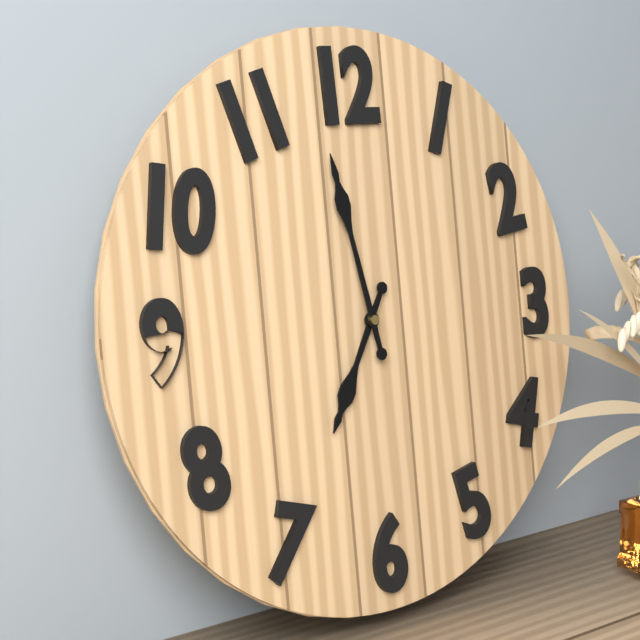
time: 6:58
